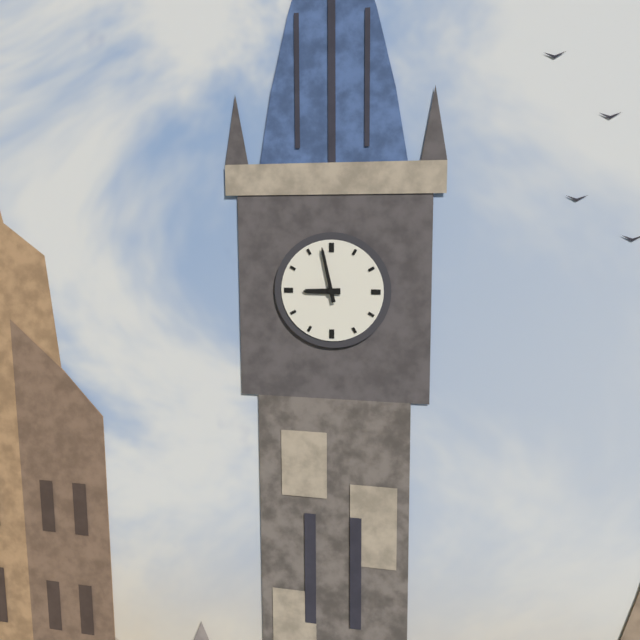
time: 8:58
